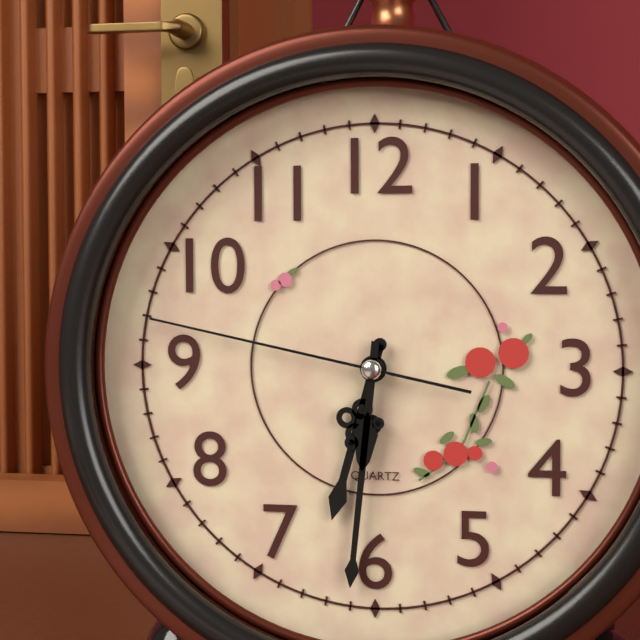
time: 6:31:47
